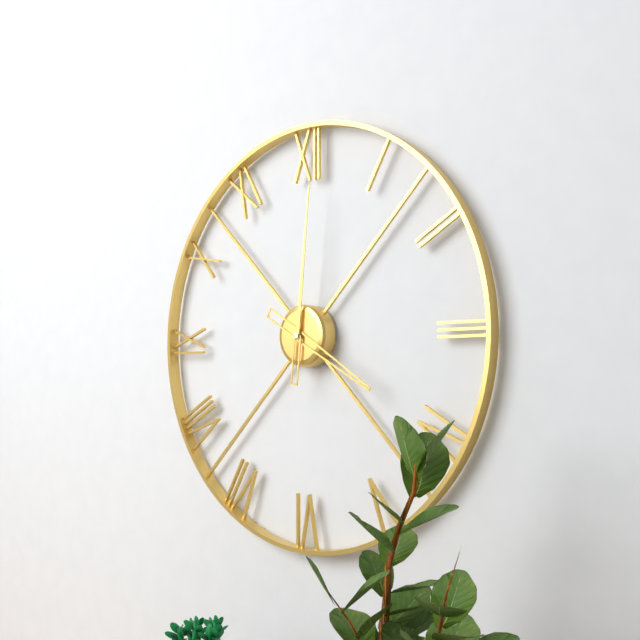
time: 4:01
